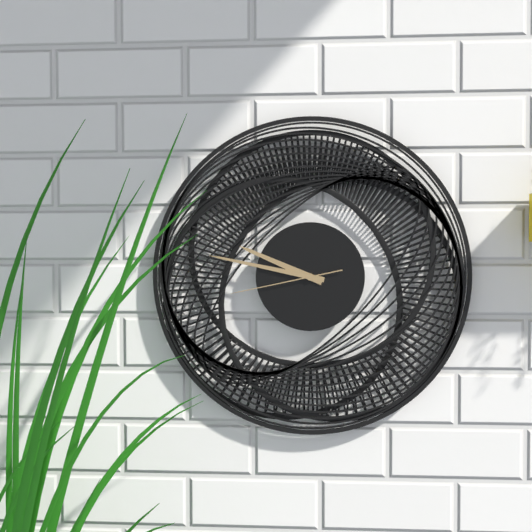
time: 9:47:43
